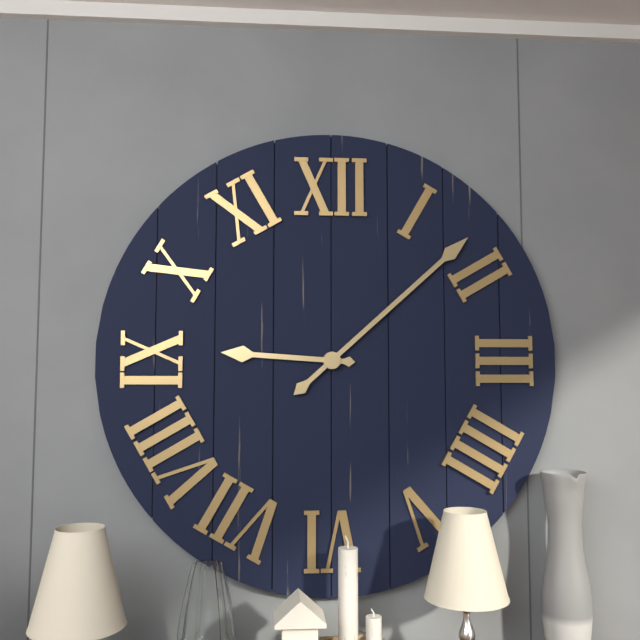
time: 9:08
